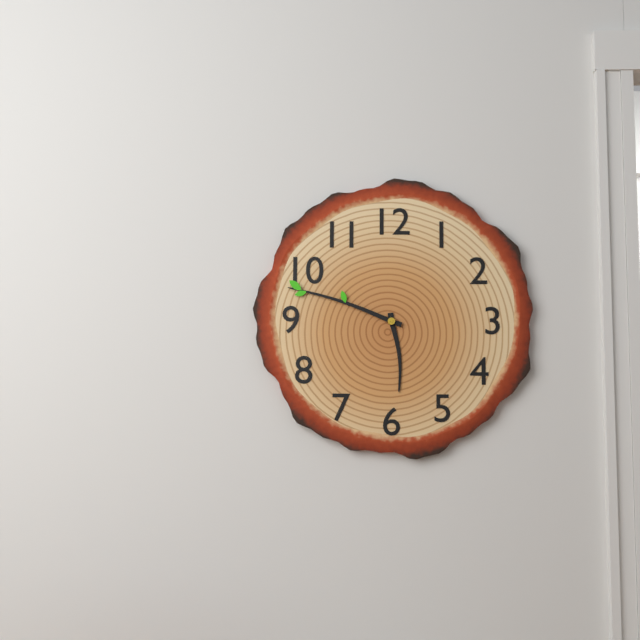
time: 5:48
